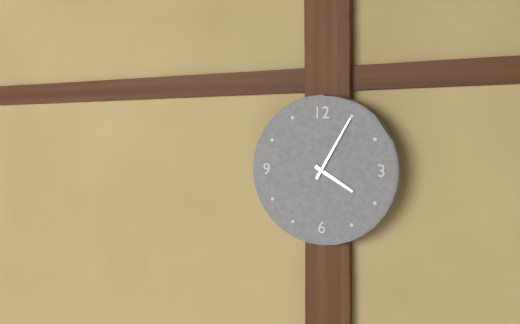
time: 4:05
